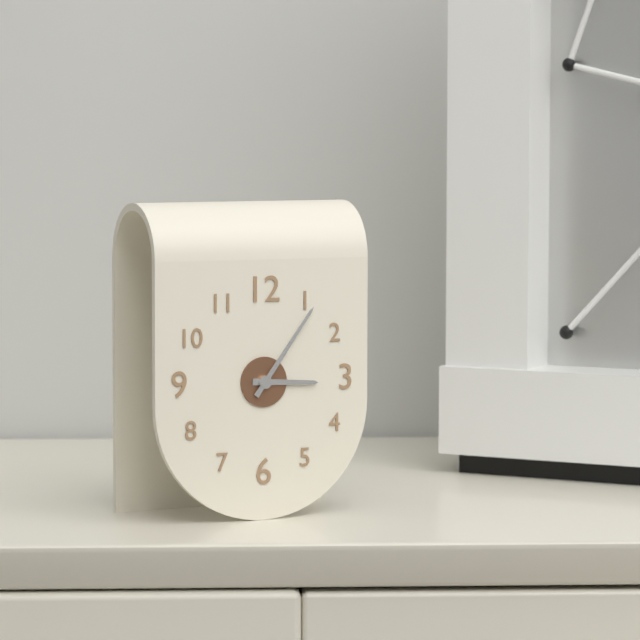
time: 3:06
